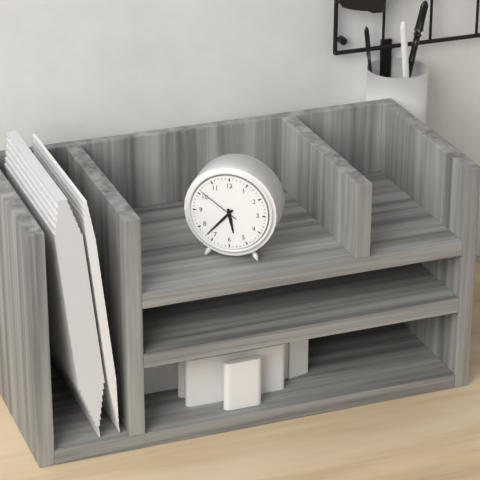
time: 5:37
